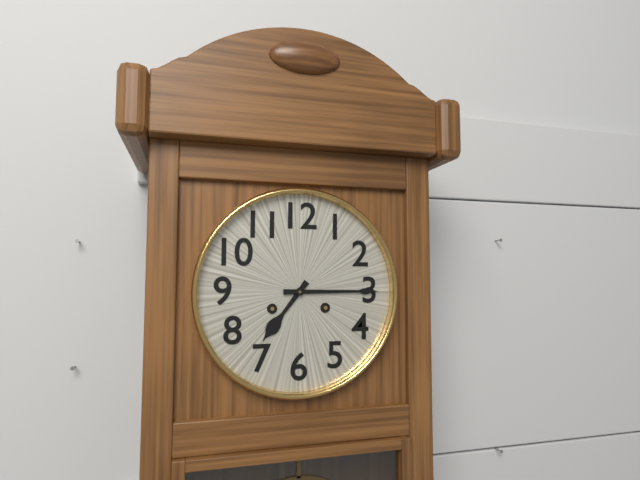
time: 7:15
